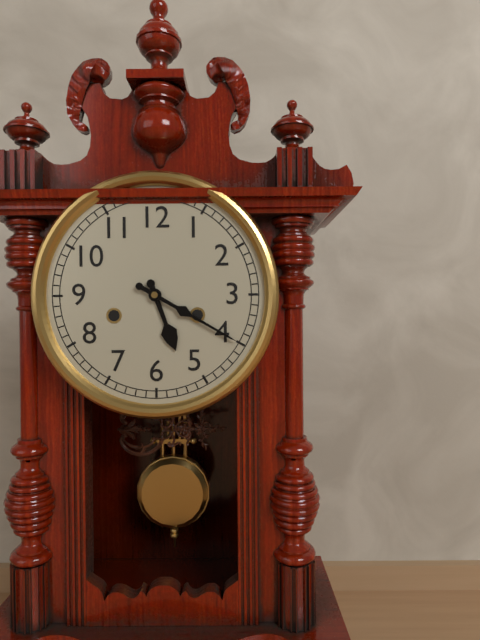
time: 5:20
